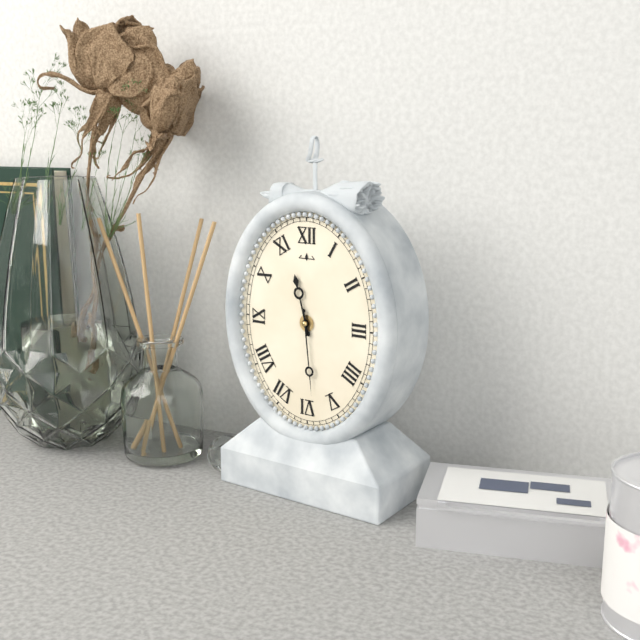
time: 11:29
